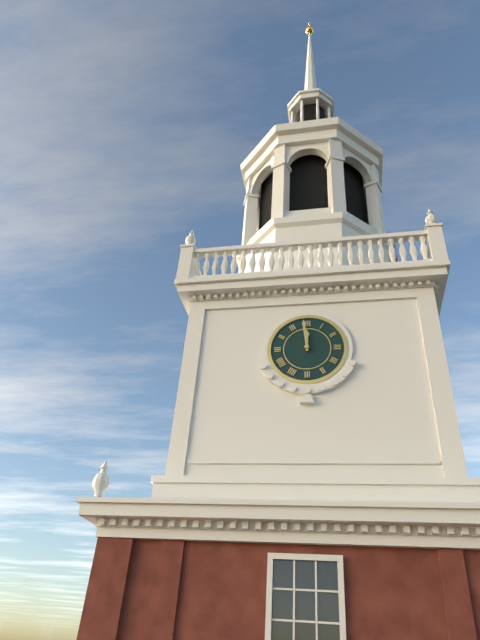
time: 11:59
